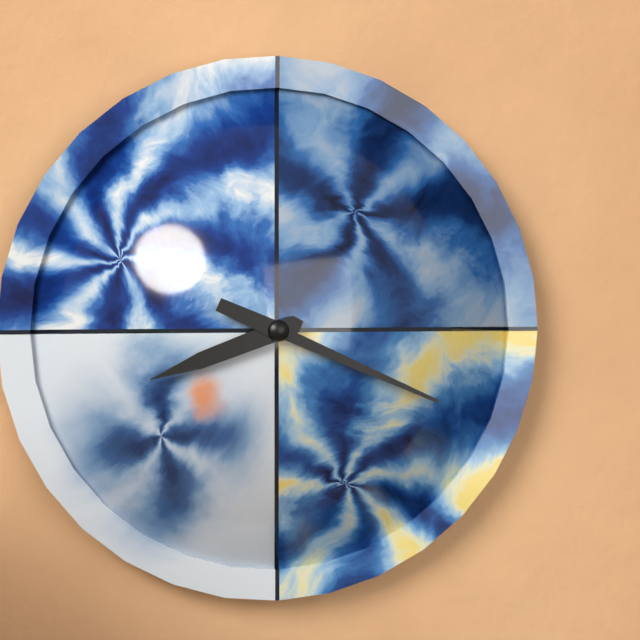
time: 8:19
